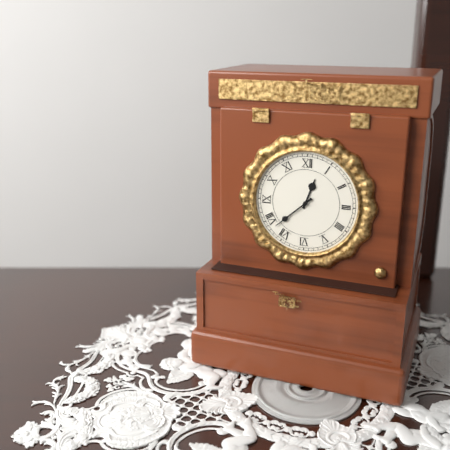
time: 12:38
